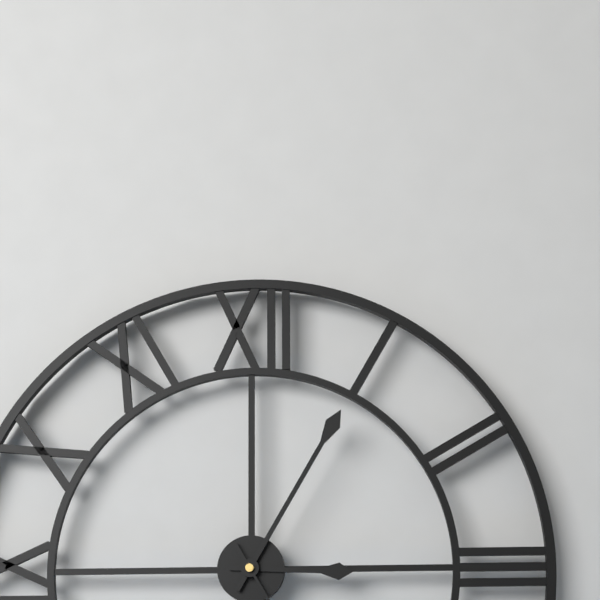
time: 3:05
